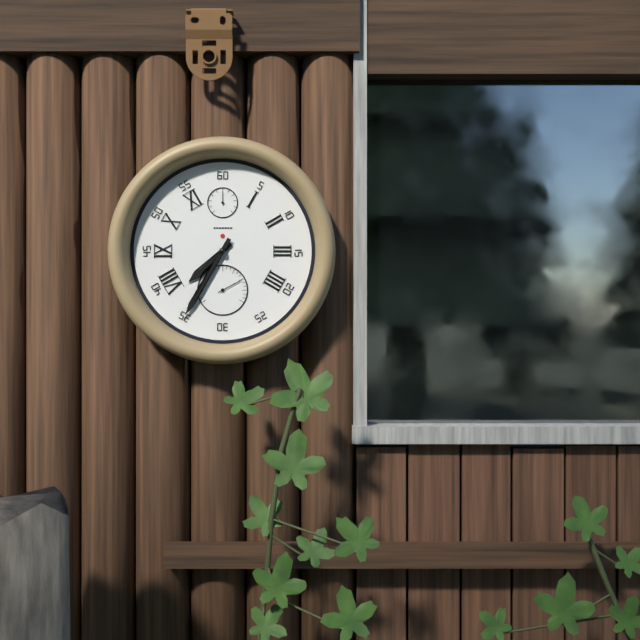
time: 7:35
